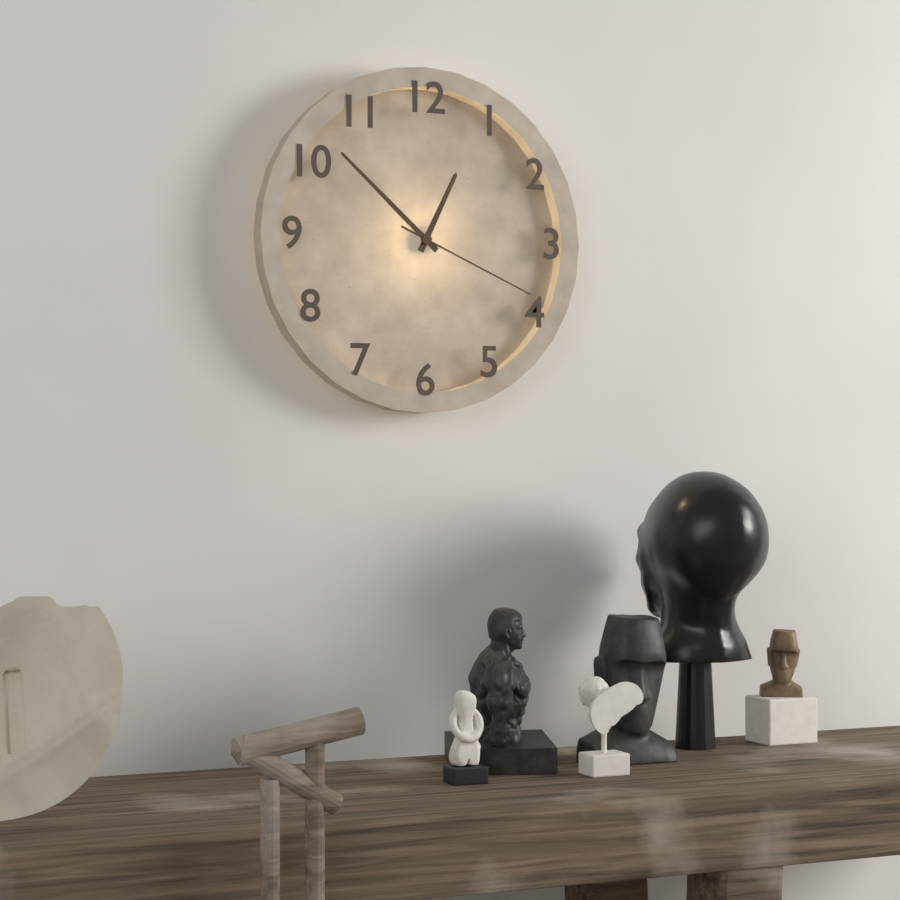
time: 12:52:19
